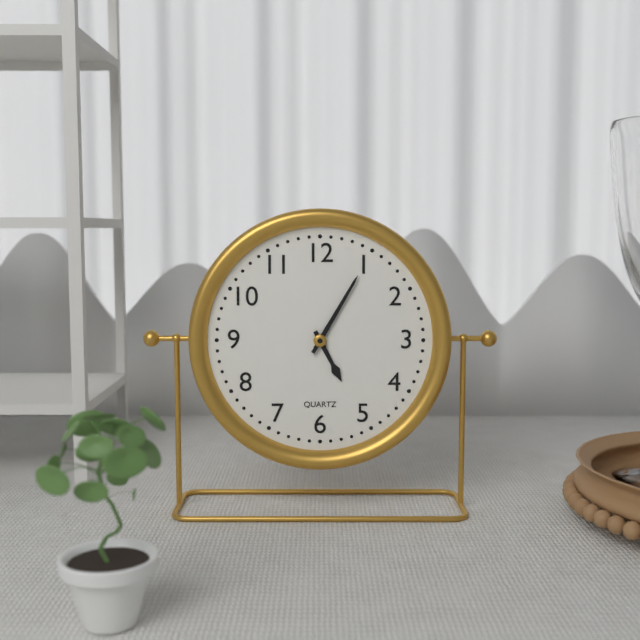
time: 5:05
